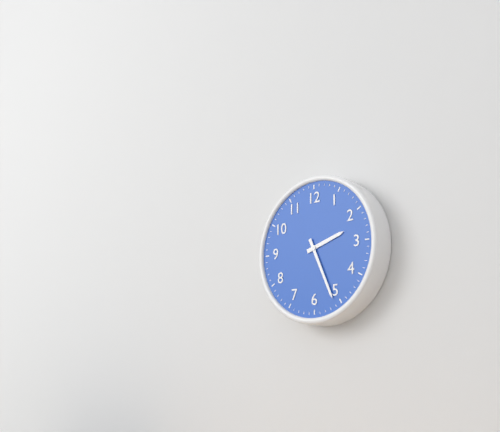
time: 2:26
